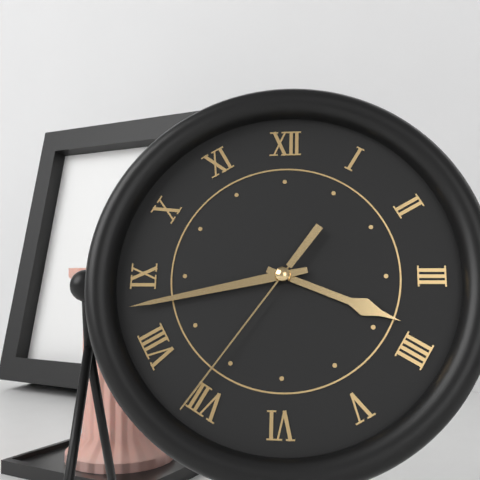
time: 3:43:36
